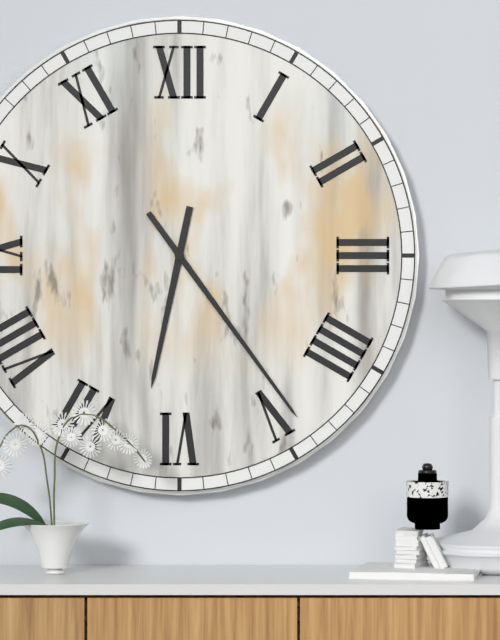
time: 6:24
